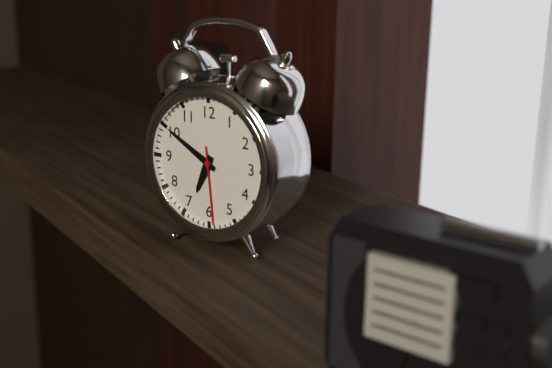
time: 6:50:29
